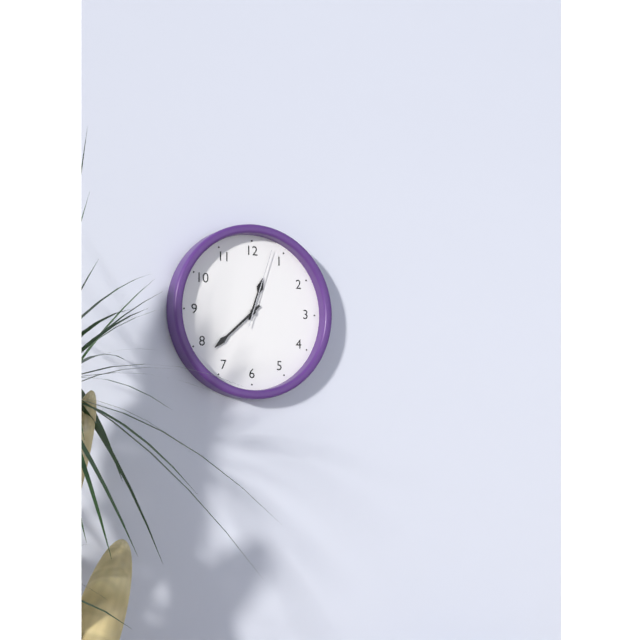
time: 12:38:03
